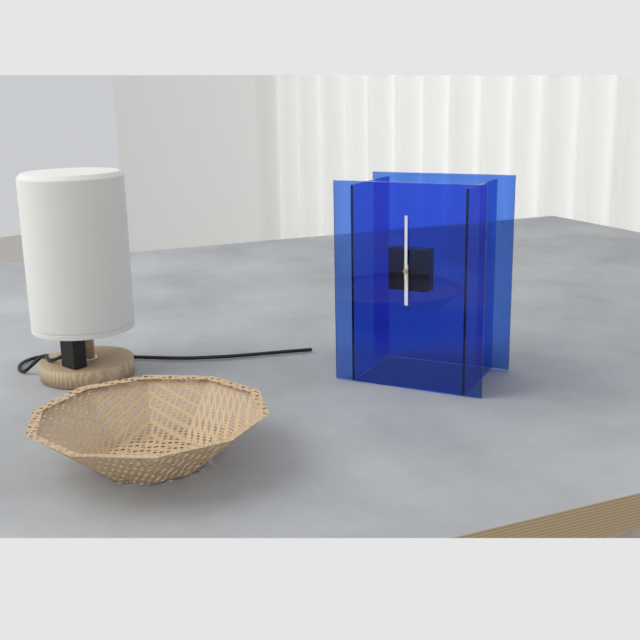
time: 6:00
